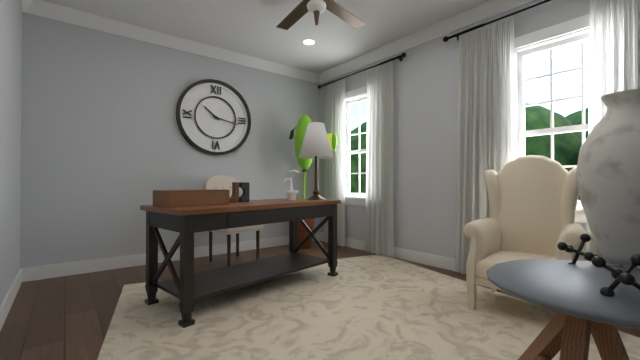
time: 10:17
